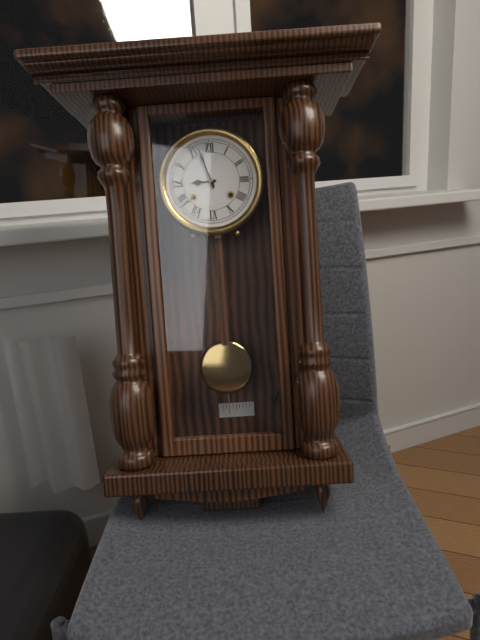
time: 8:57
